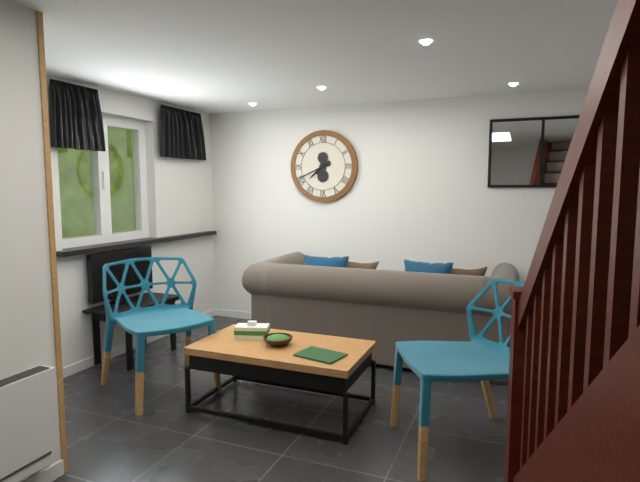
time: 7:41
